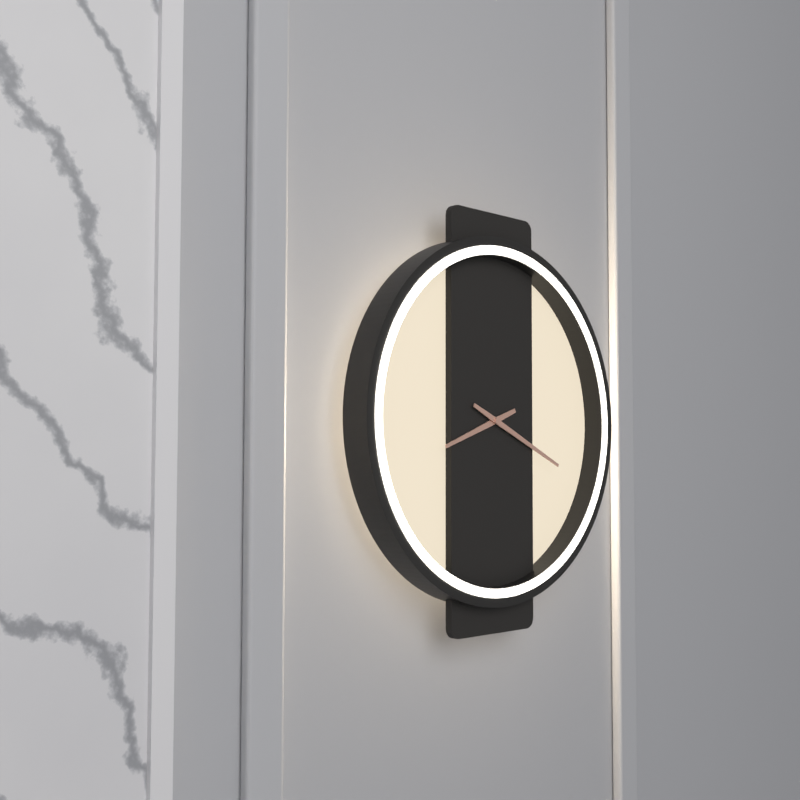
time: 8:19
